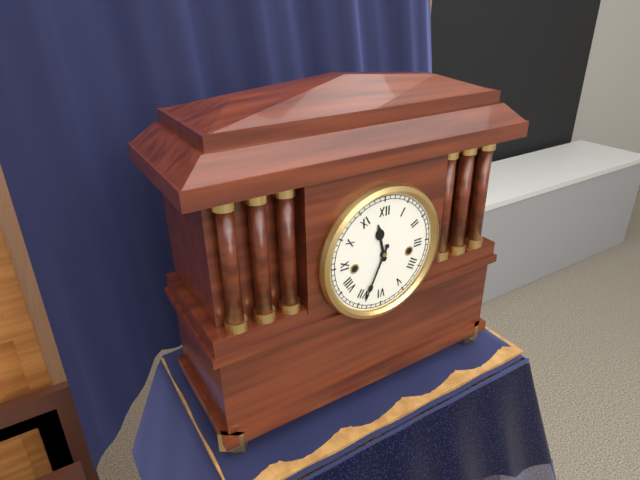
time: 11:34
